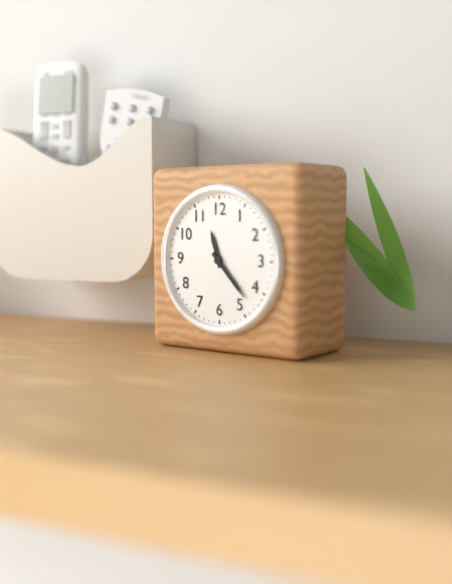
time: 11:23
